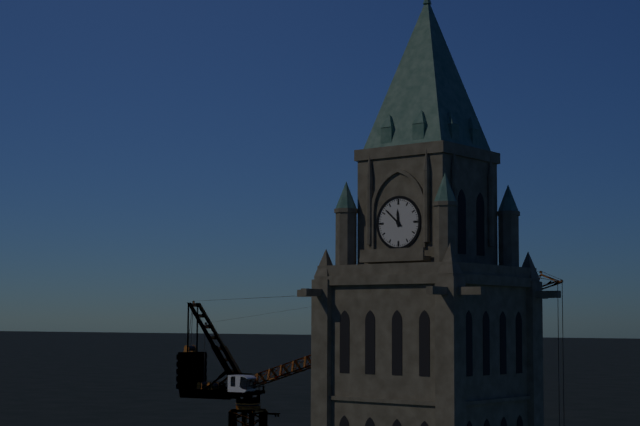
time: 11:52
